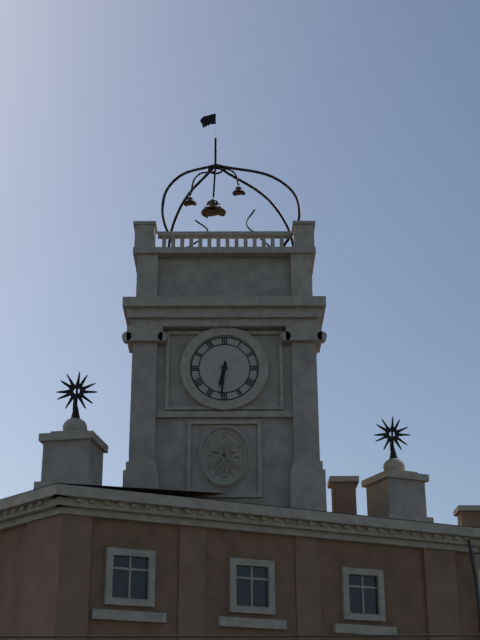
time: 6:31
